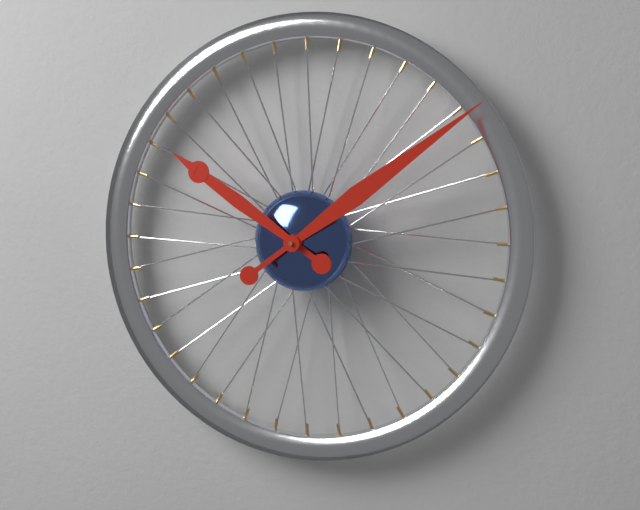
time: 10:09
